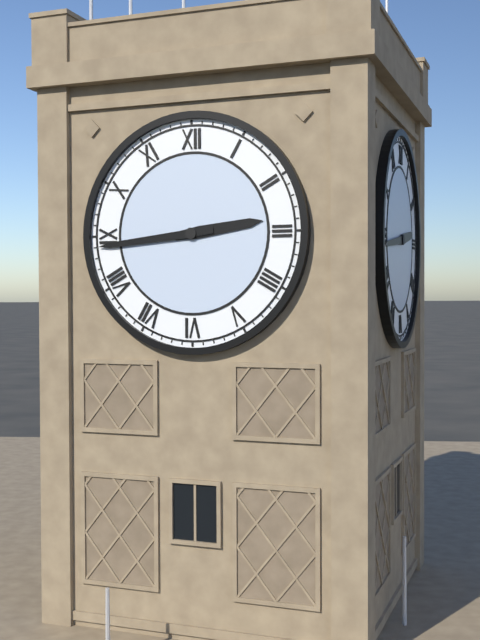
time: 2:44
